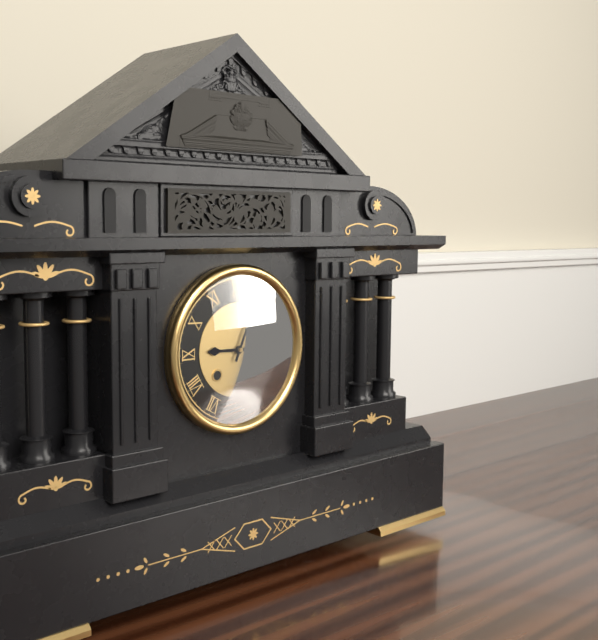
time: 9:04
